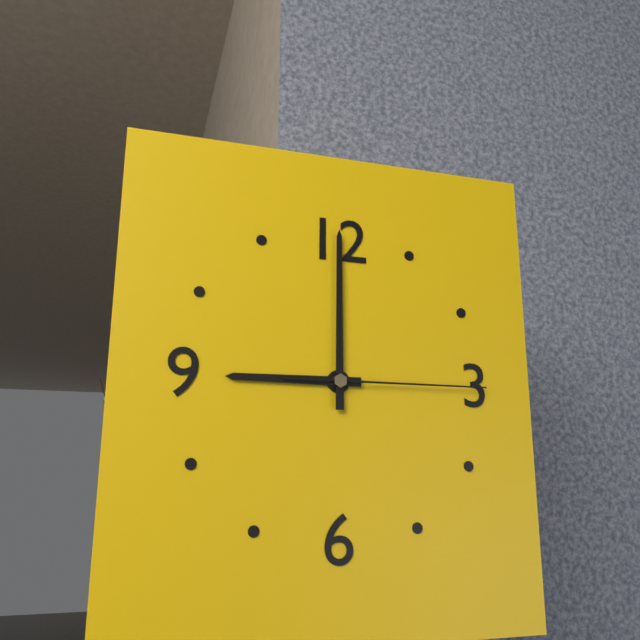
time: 9:00:15
